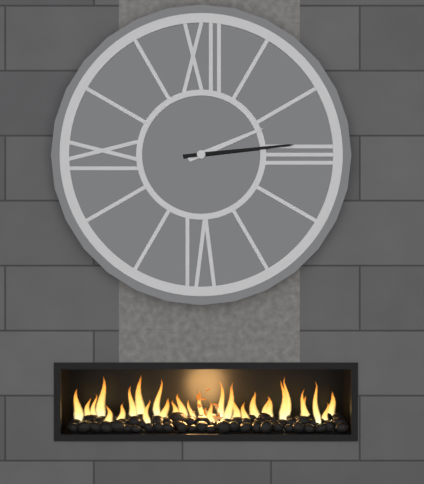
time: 2:14
